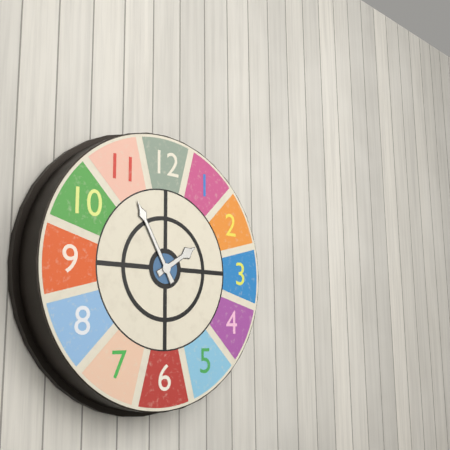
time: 1:55
